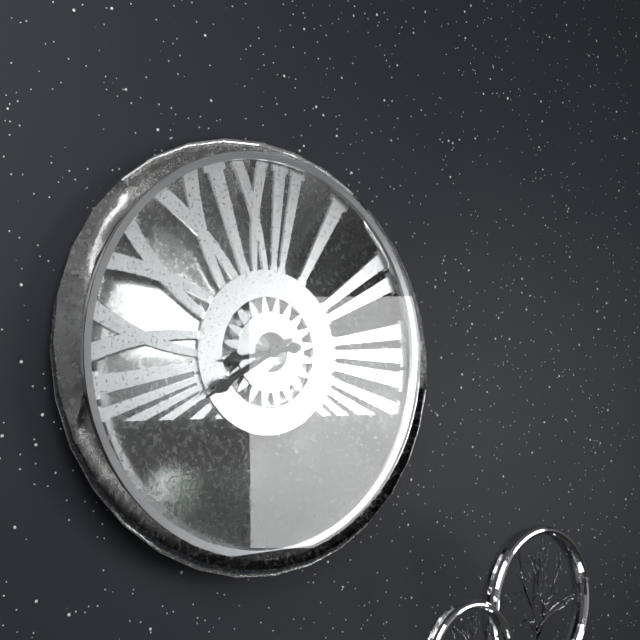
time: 8:40
